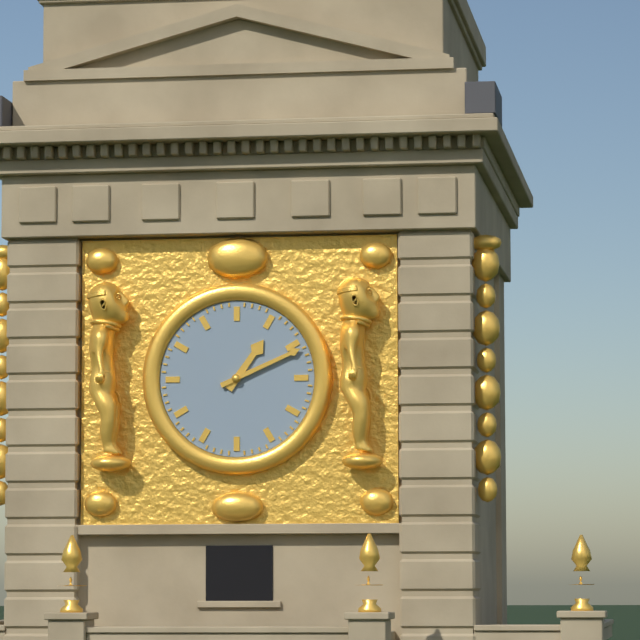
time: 1:11
